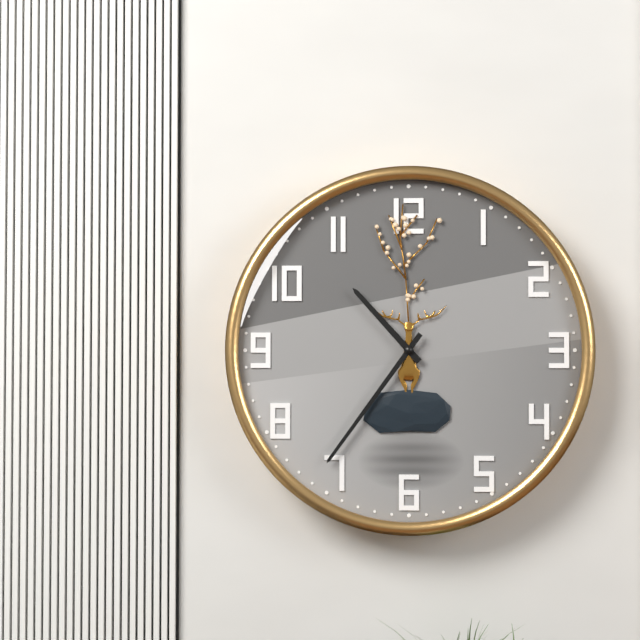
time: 10:36
